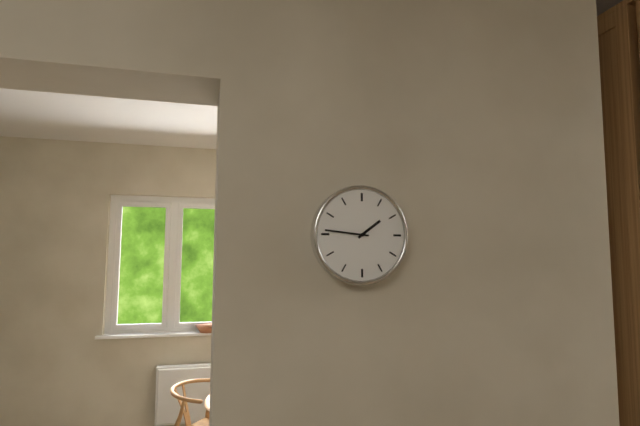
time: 1:46
